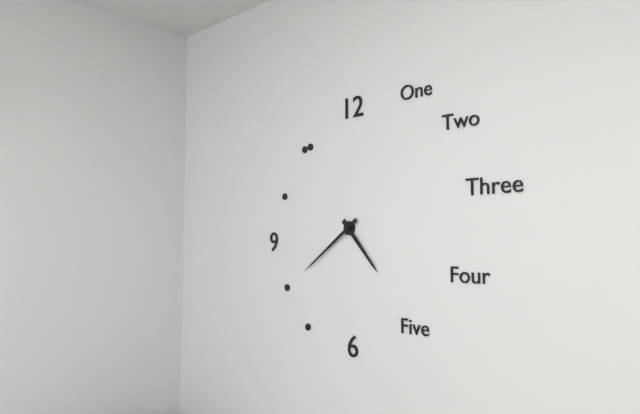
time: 4:39
